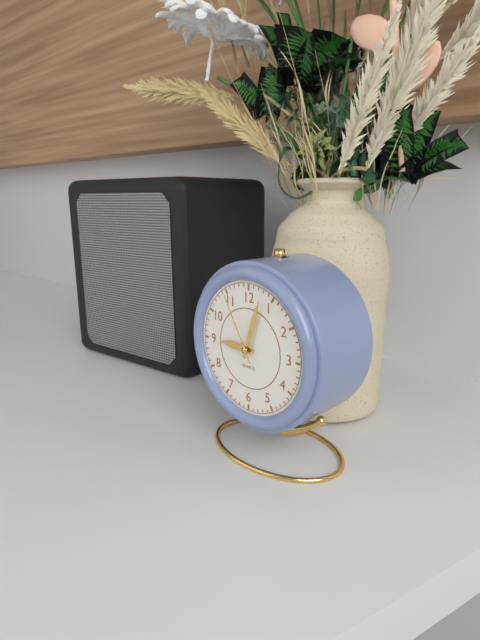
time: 9:03:55
